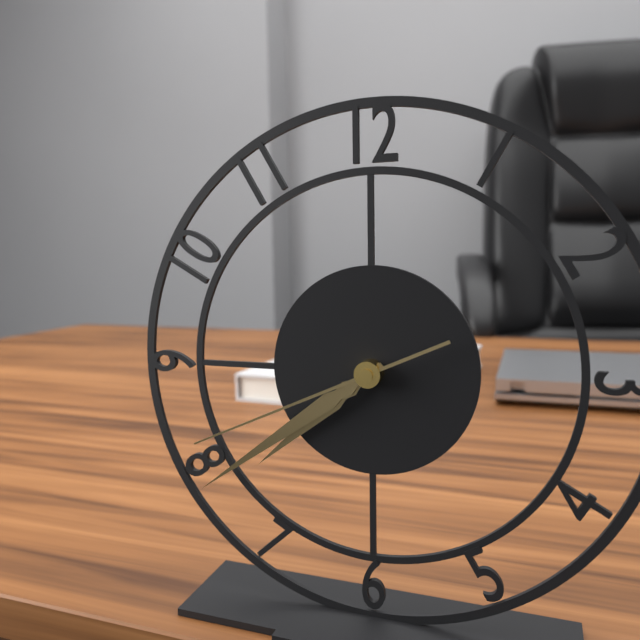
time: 7:39:41
